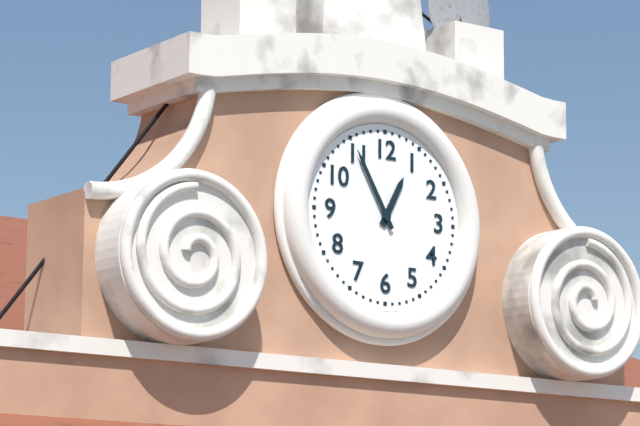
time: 12:55
